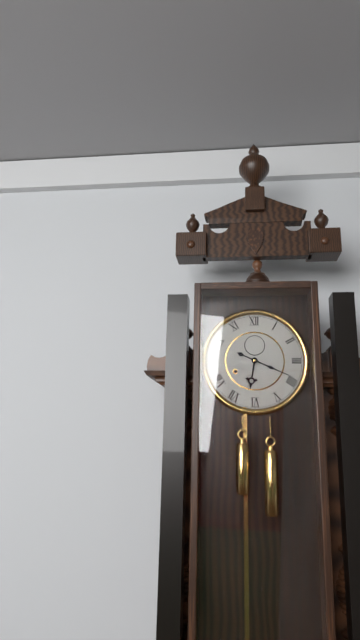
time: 6:19
